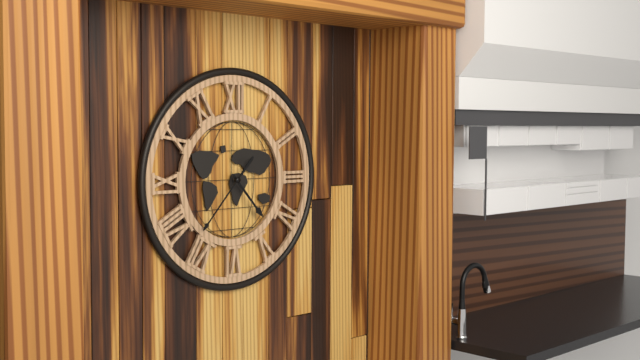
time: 4:37
